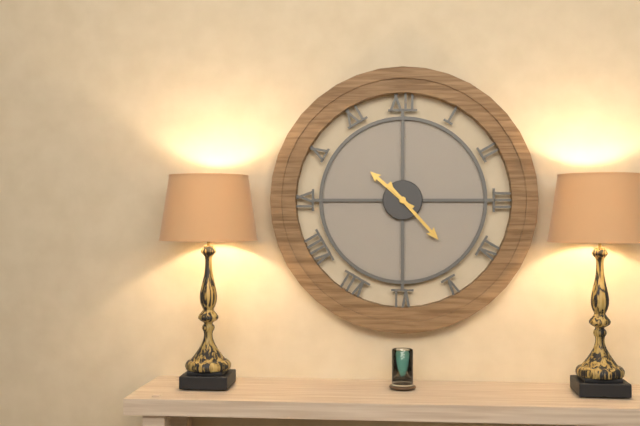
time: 10:23
